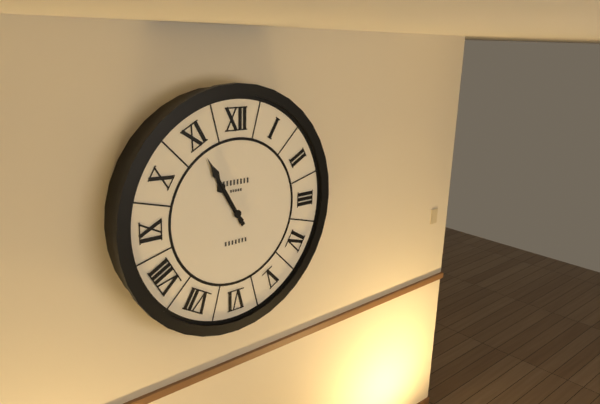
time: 10:55
